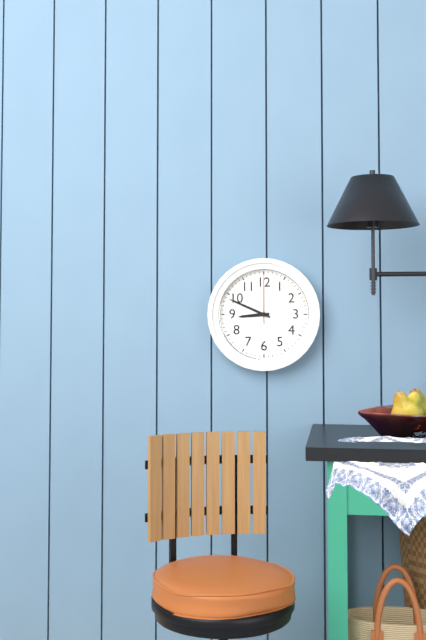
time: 8:49:00
